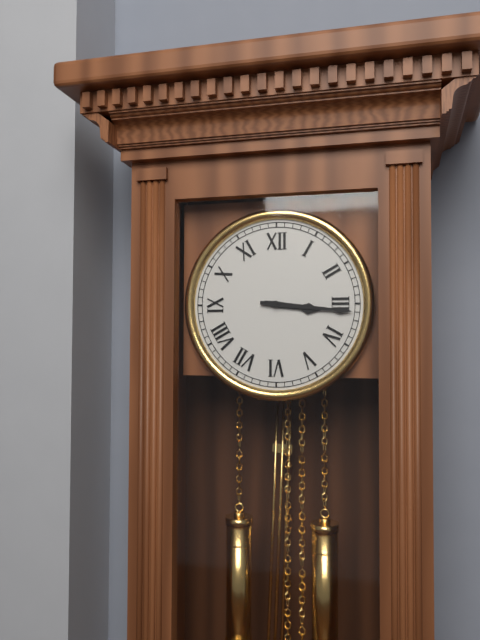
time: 3:16
